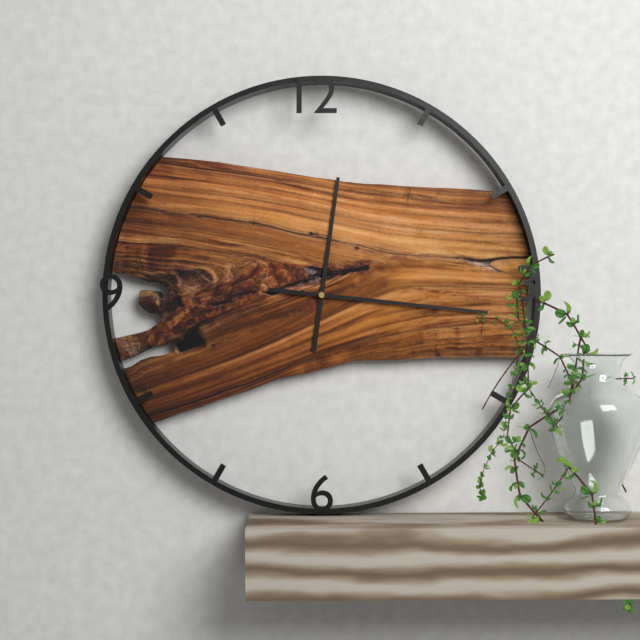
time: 12:16
